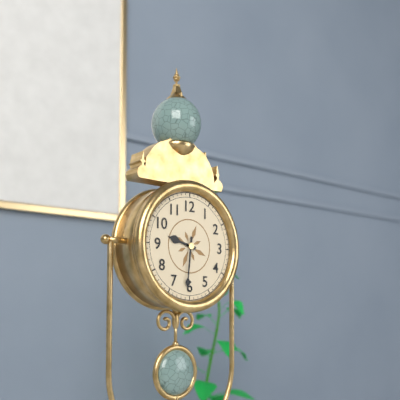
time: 9:31
